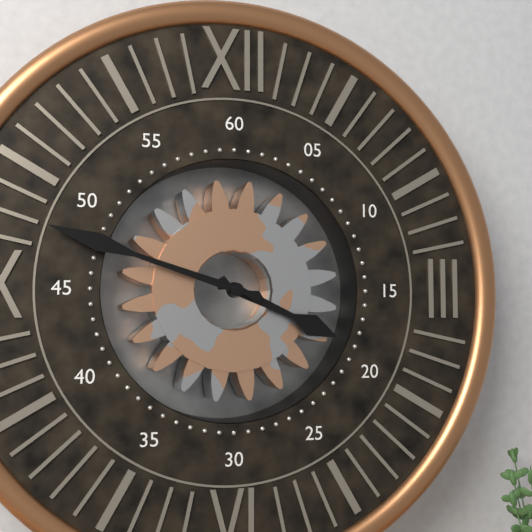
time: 3:48
